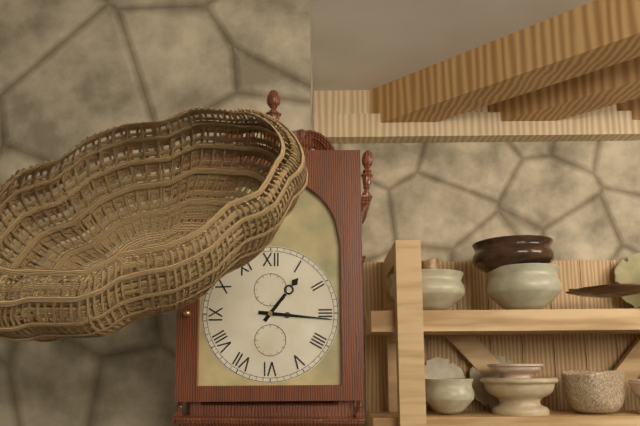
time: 1:16
